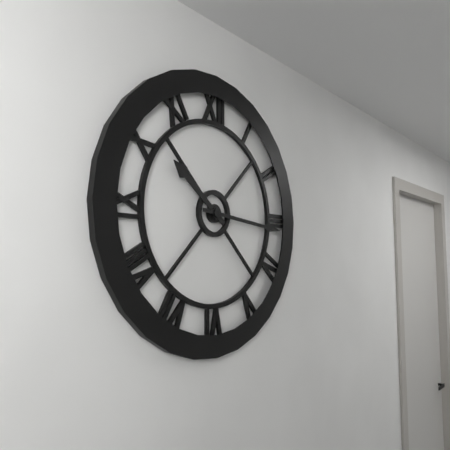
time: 10:16
